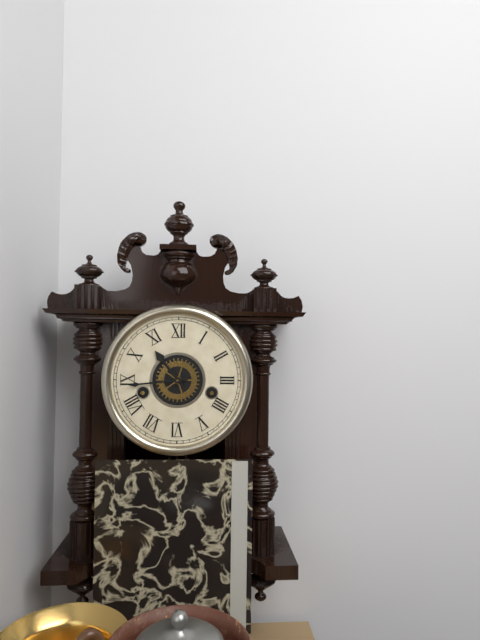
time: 10:44
